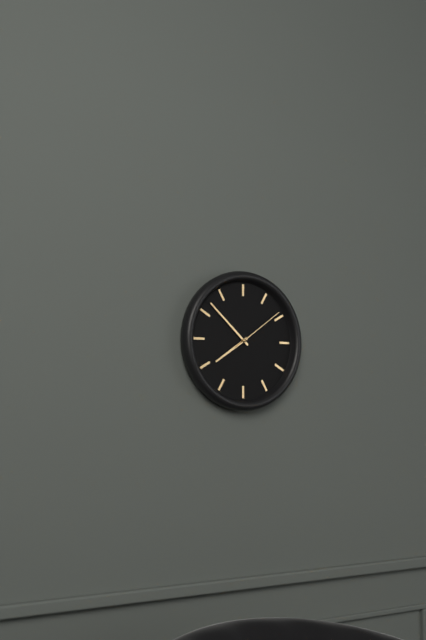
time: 7:52:09
